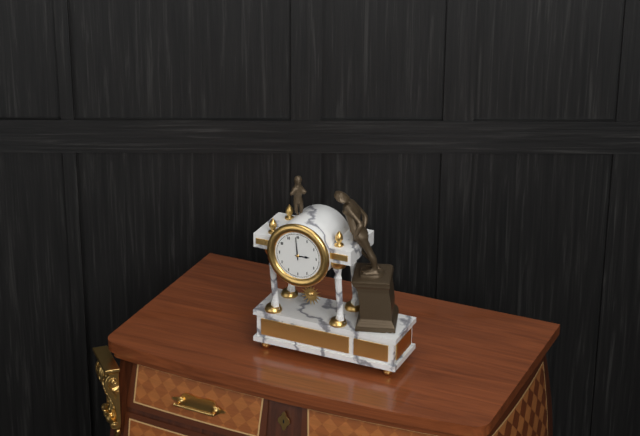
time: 2:59
